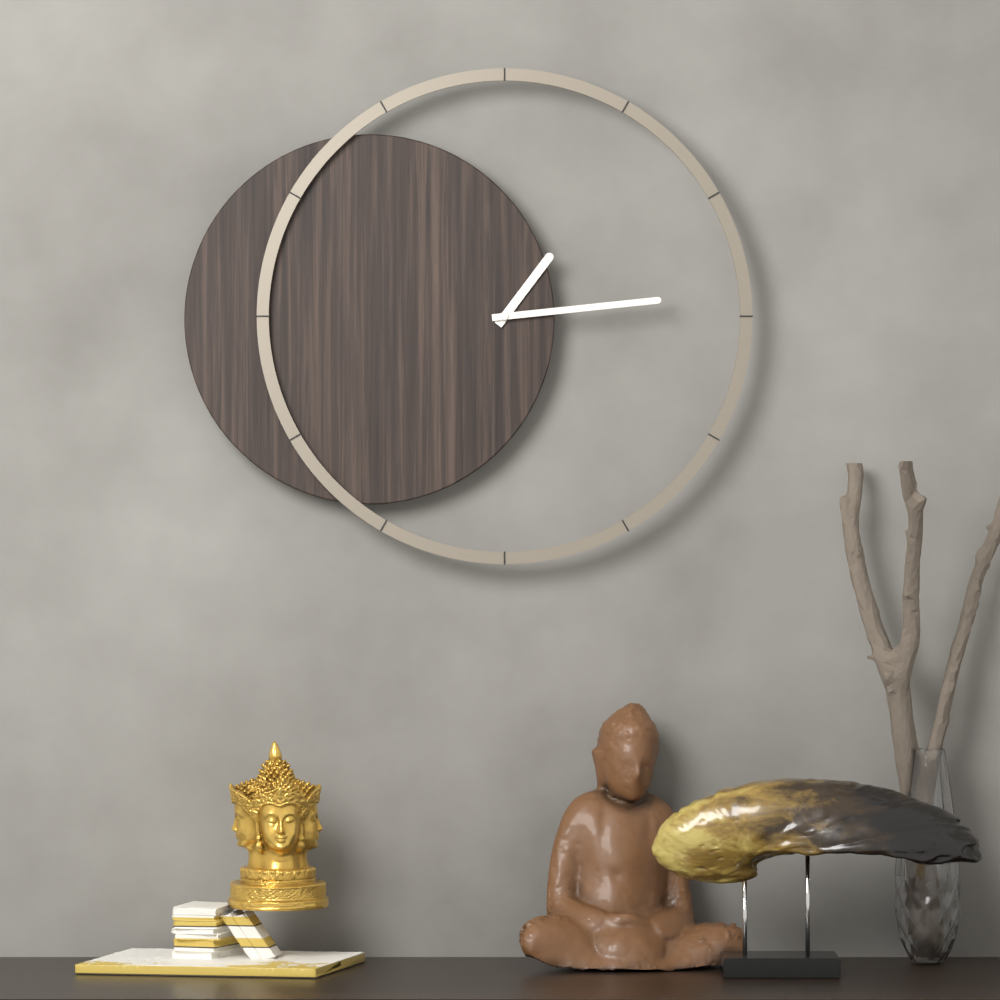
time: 1:14
